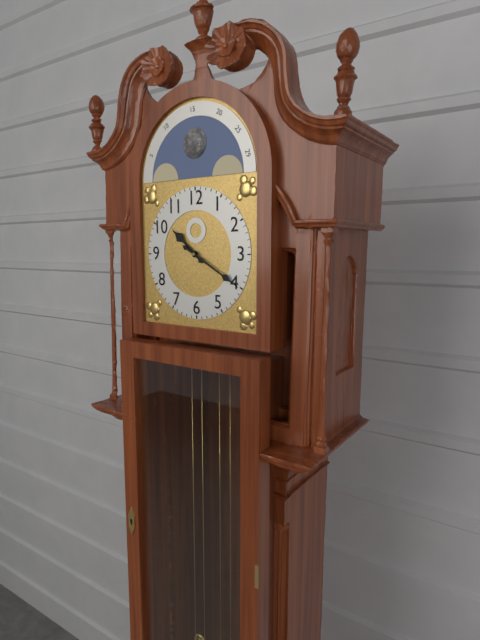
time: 10:20
